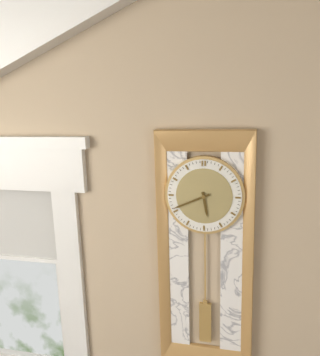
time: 5:41
